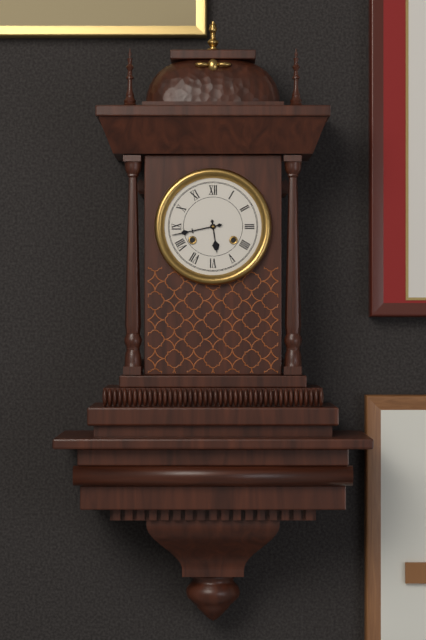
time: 5:43
